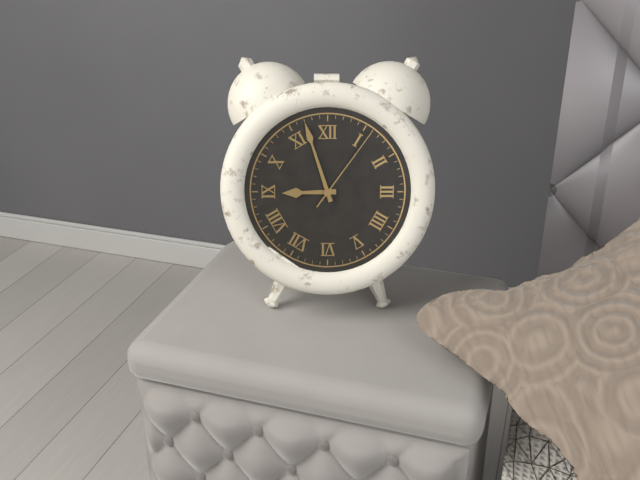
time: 8:57:06
